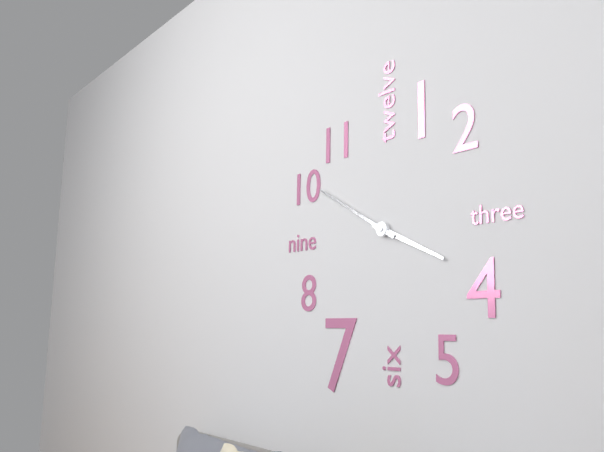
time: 3:50
